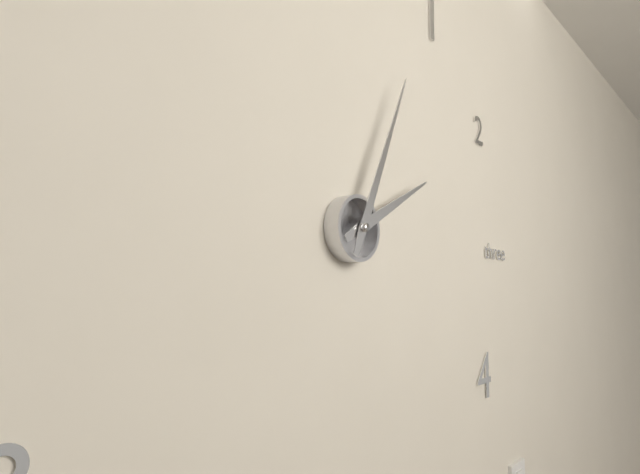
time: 2:04
